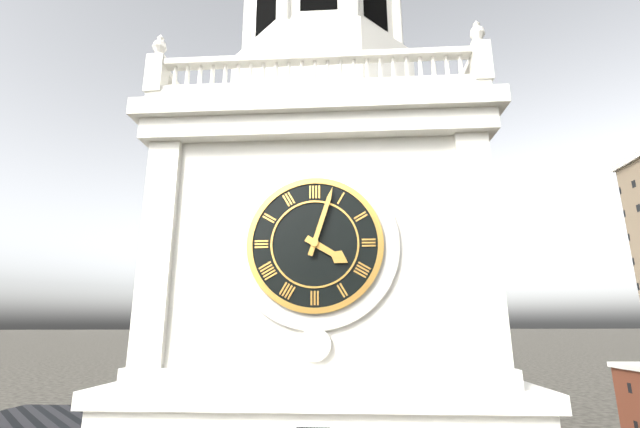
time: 4:03
